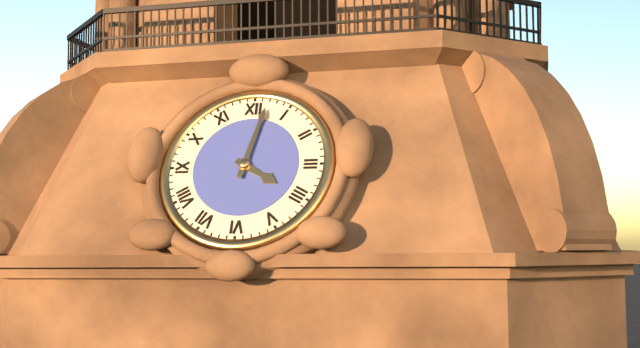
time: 4:02
